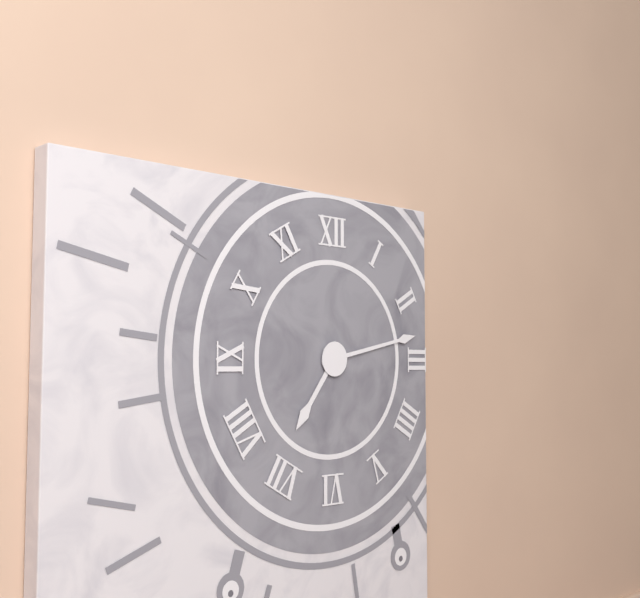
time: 7:13
